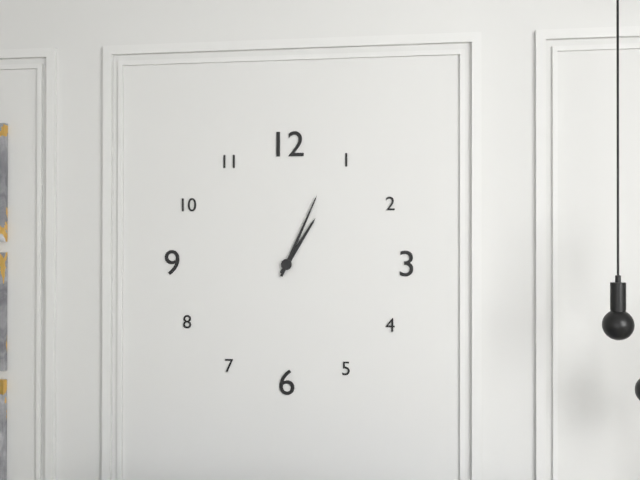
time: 1:04
